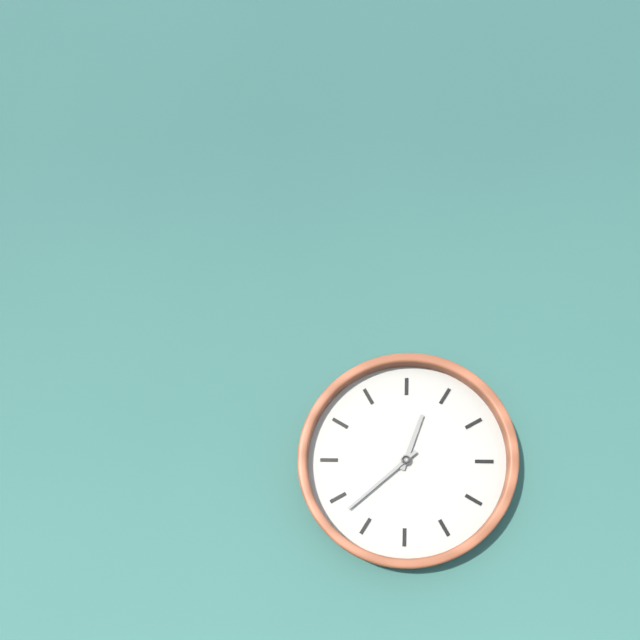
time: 12:38
